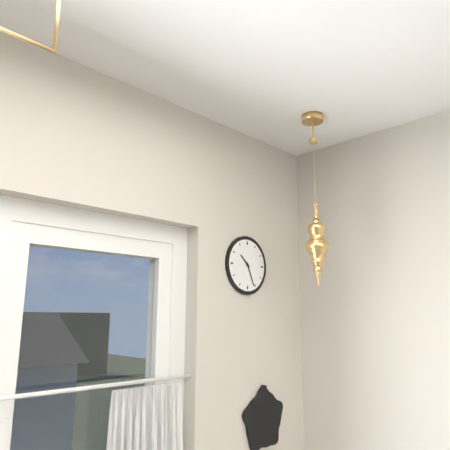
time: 10:26
